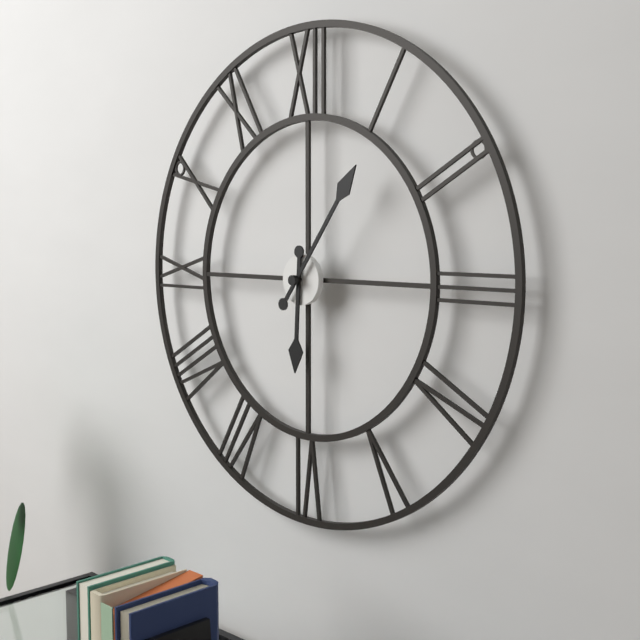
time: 6:06
